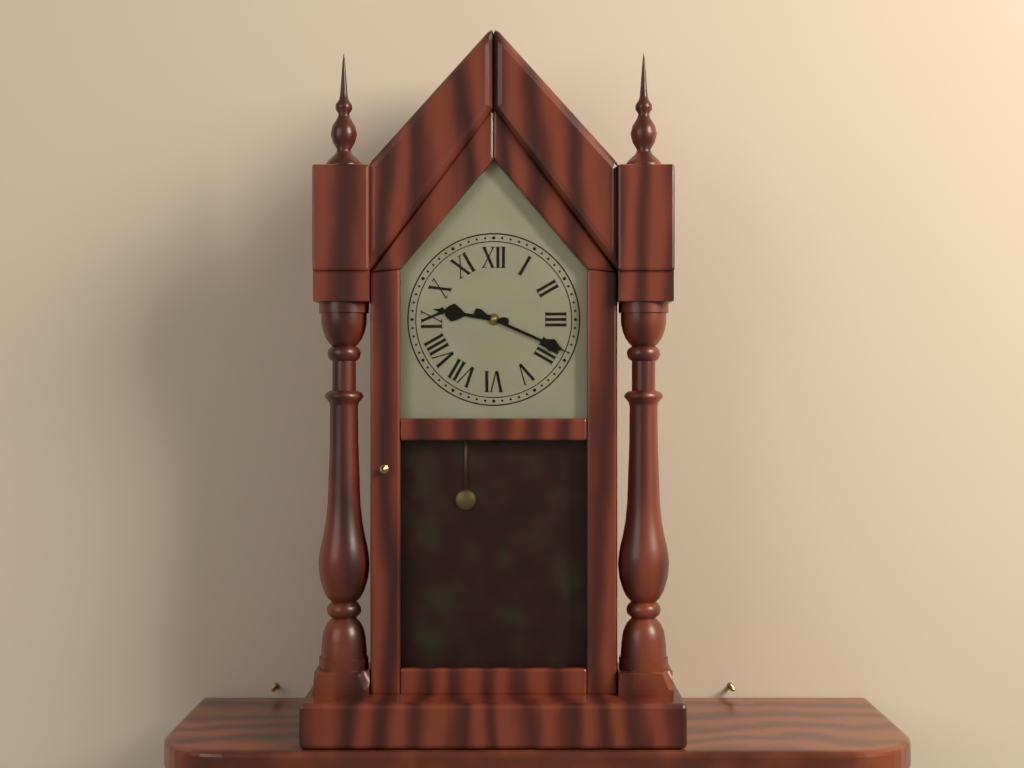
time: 9:19
